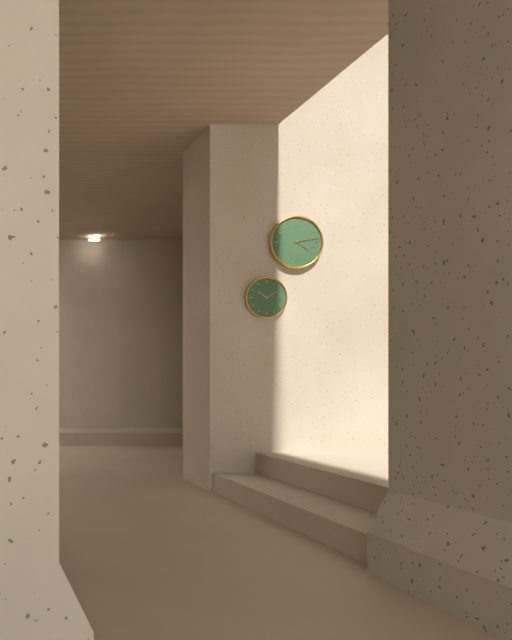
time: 4:13
